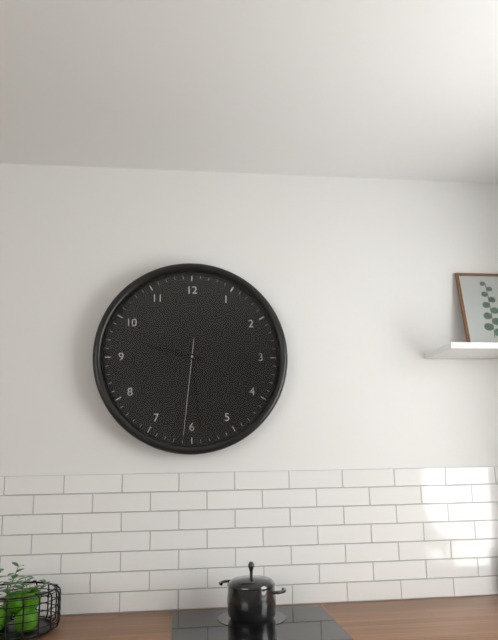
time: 9:29:31
